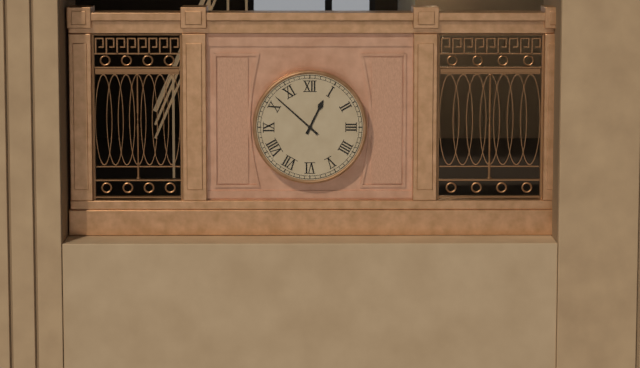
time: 12:52
